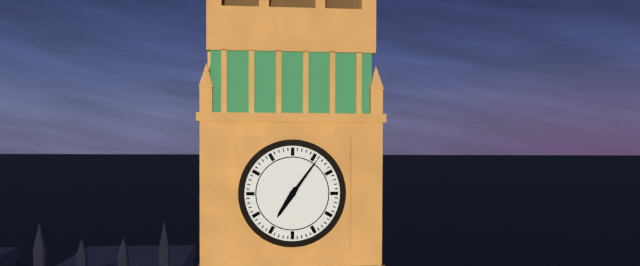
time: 7:06
